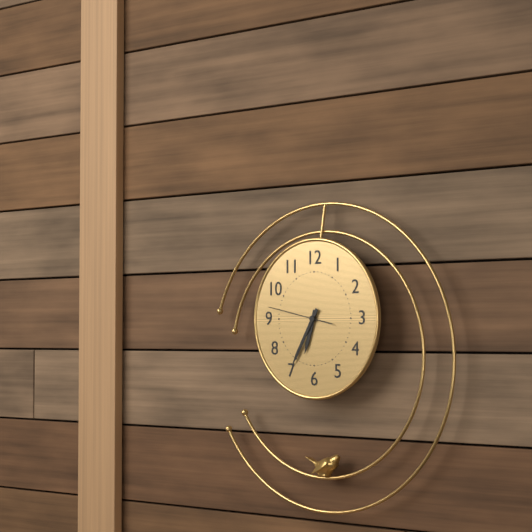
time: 6:35:47
